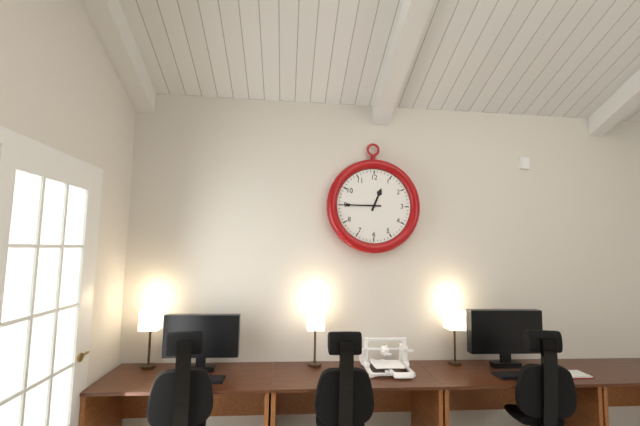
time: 12:45
